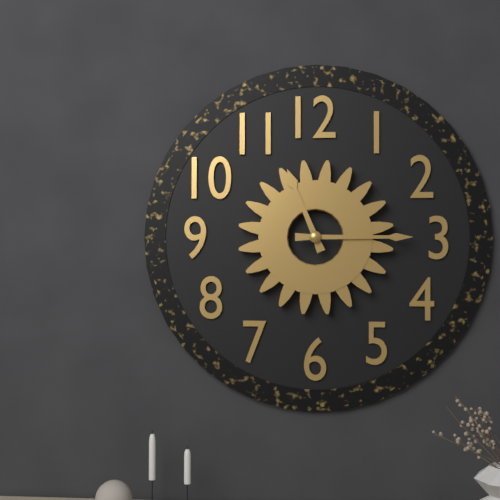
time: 11:15
